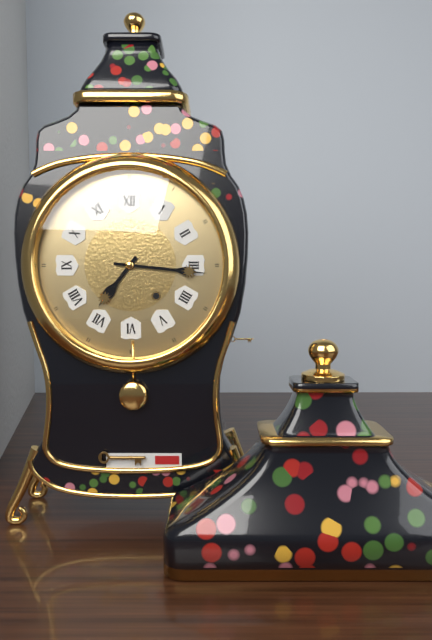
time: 7:16
